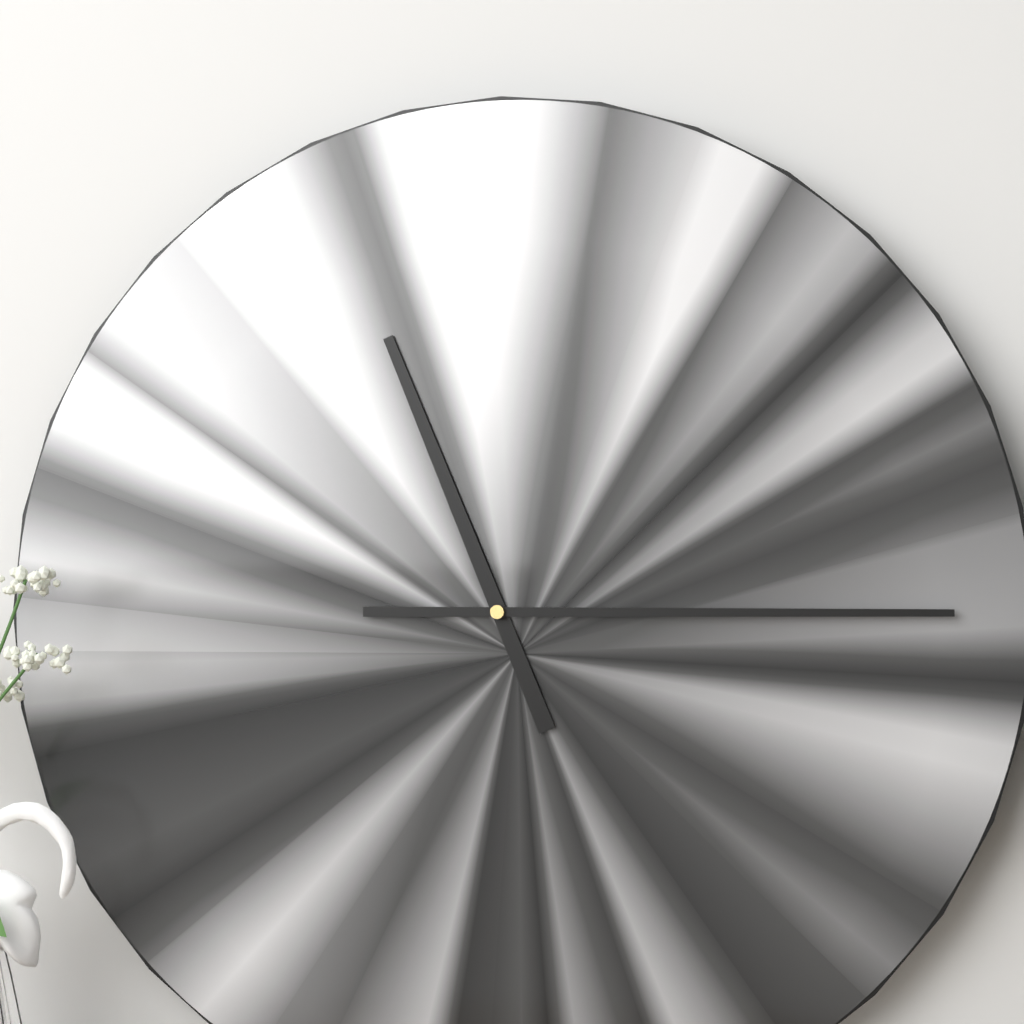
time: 11:15
